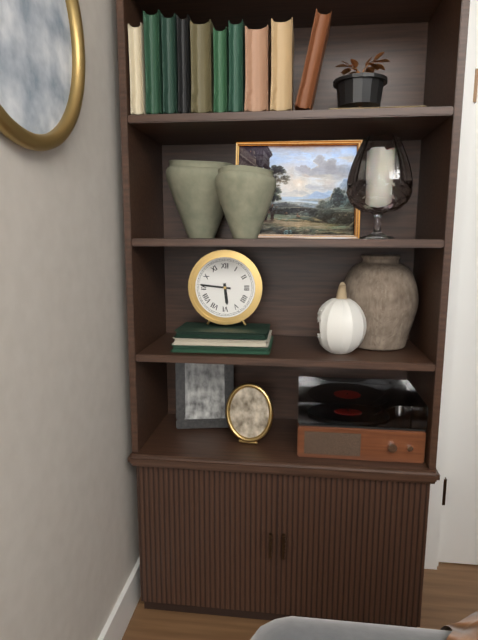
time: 5:46
